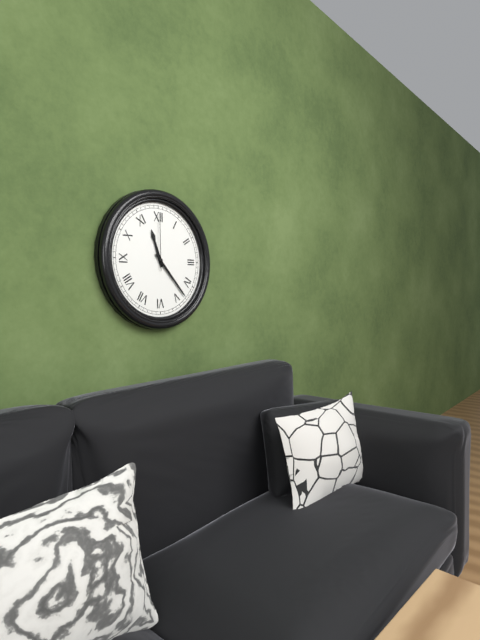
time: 11:23:00
